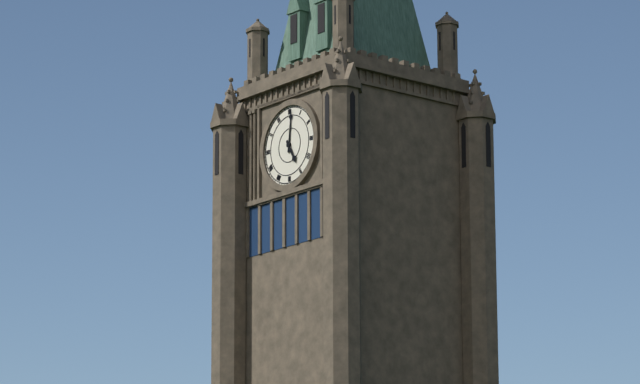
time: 5:01
